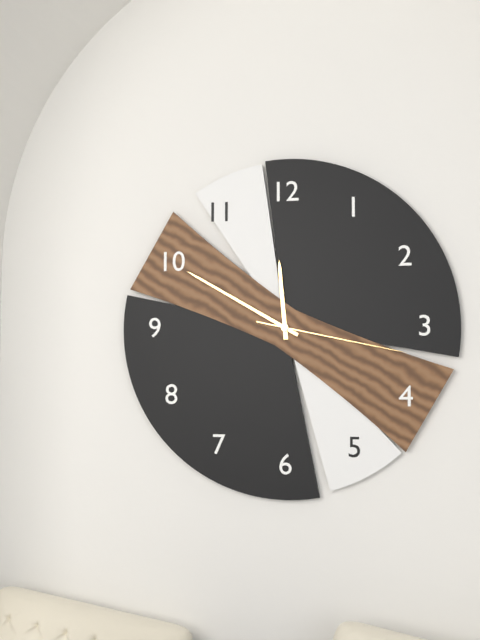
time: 11:50:17
